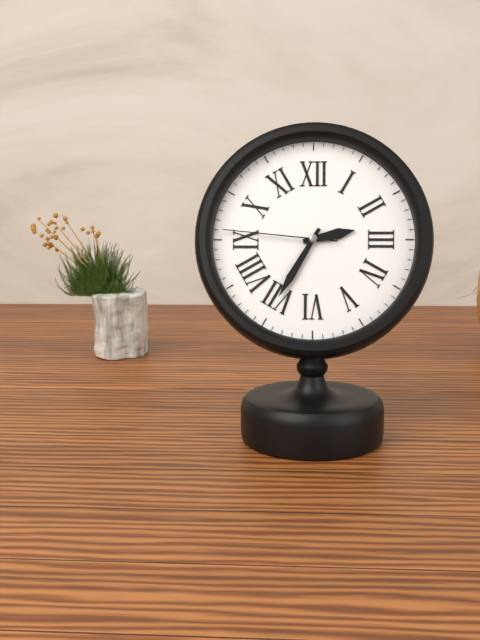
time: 2:35:46
